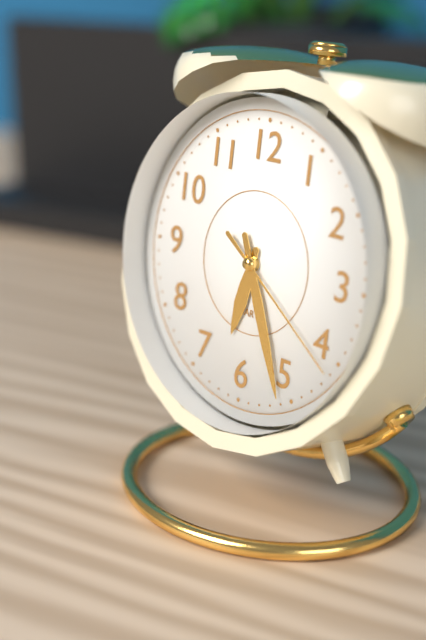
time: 6:26:21
